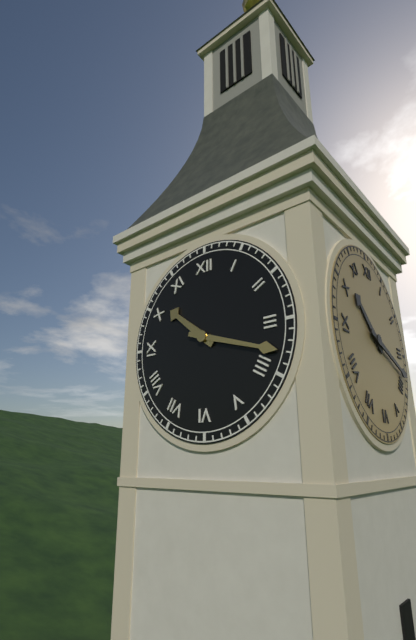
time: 10:18
